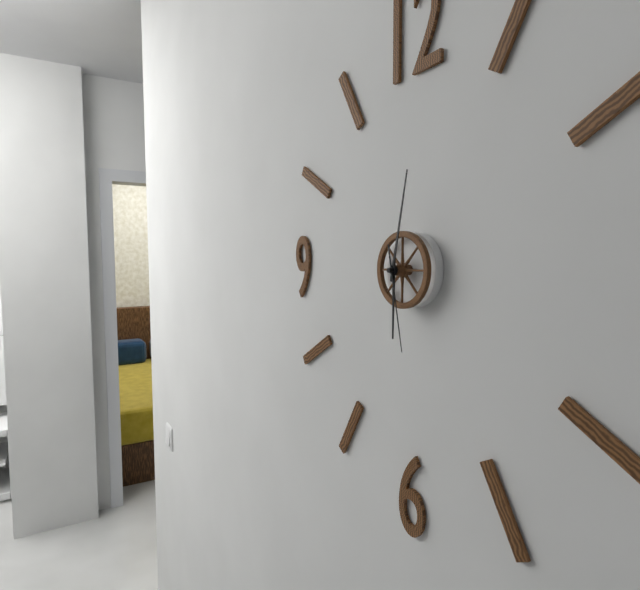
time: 6:02:28
